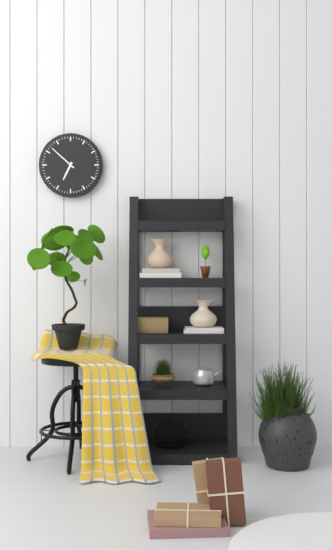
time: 6:52
